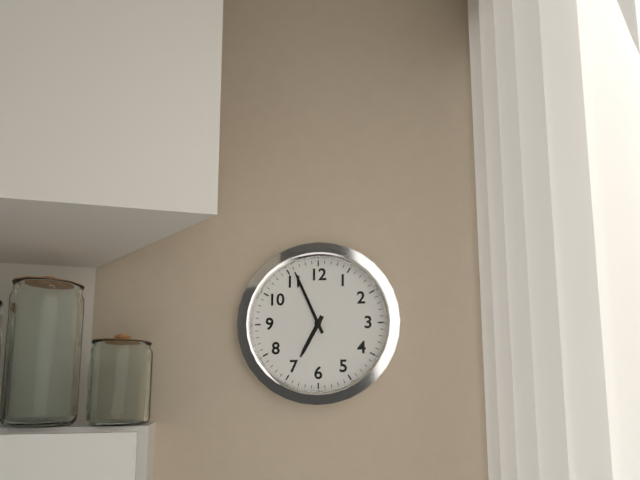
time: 6:56
